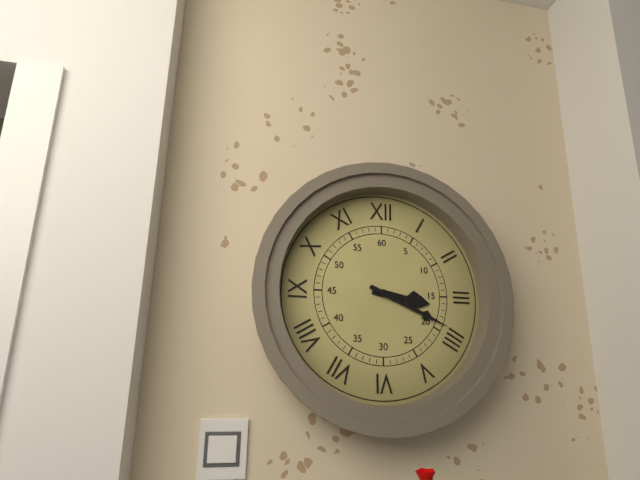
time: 3:19
